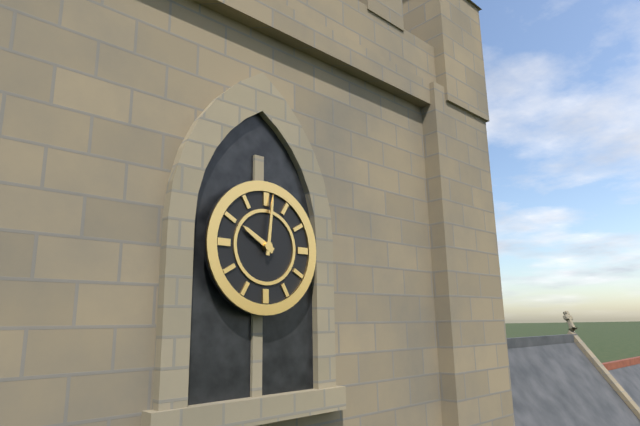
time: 10:01
